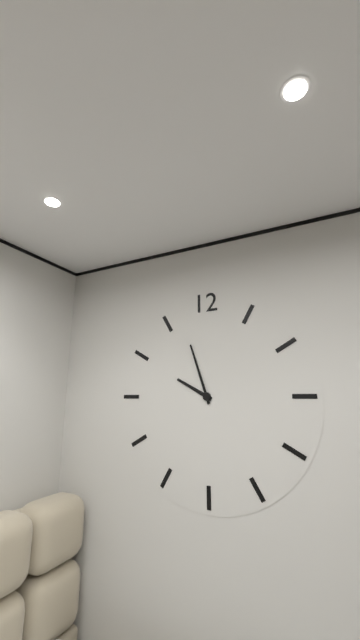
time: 9:57
